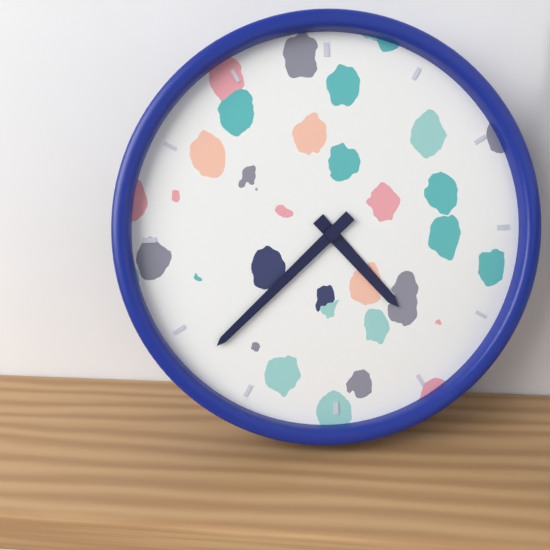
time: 4:38
